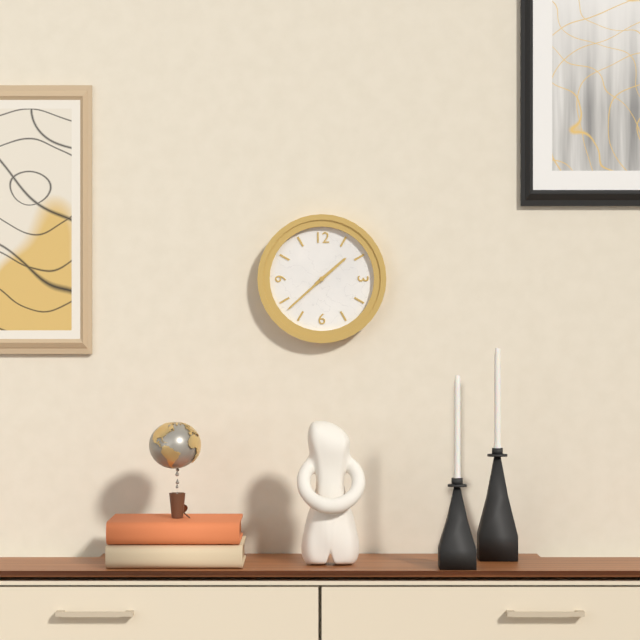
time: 1:38
